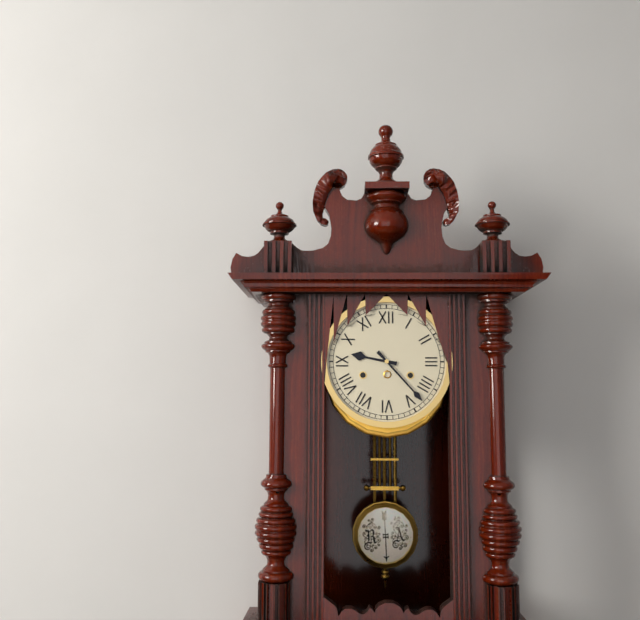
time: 9:23
